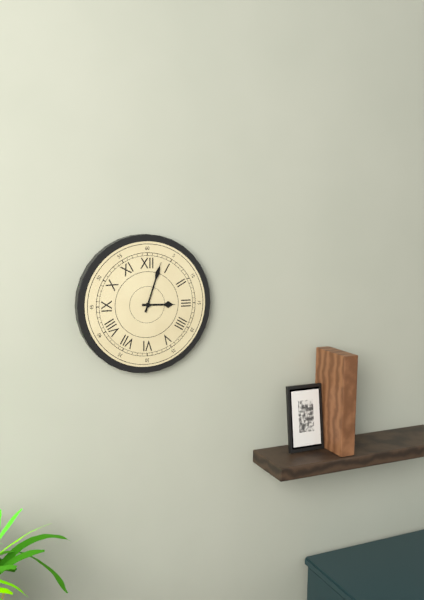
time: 3:03
